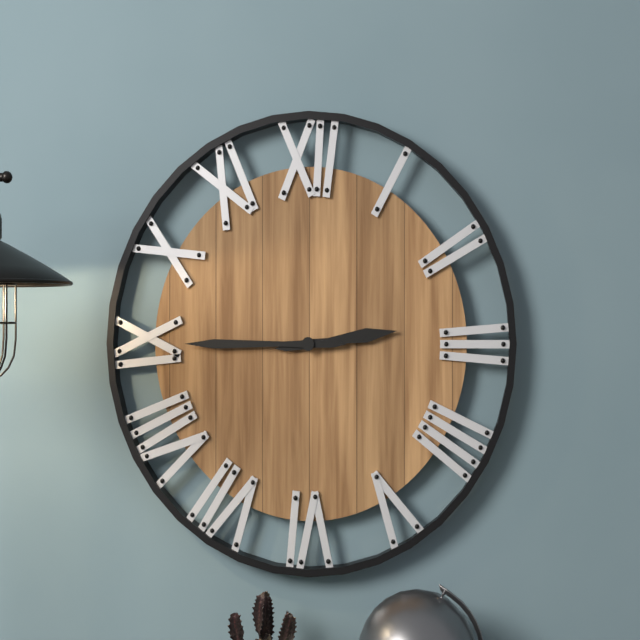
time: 2:45
